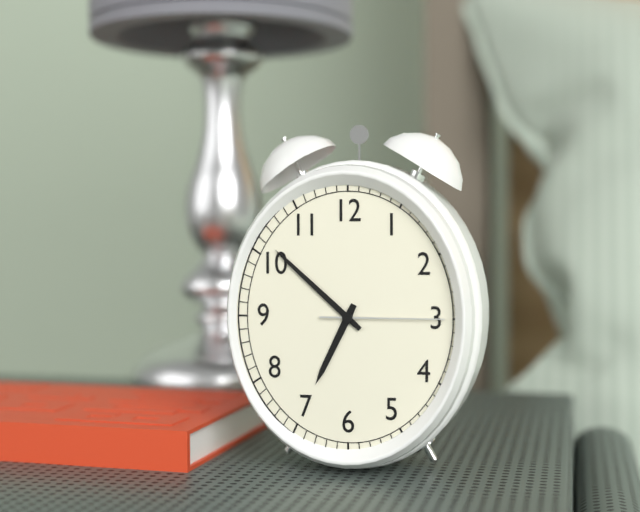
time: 6:52:15
